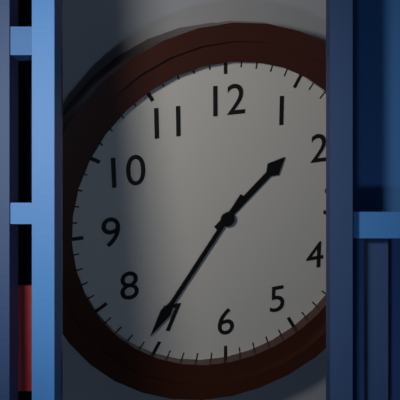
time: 1:36
